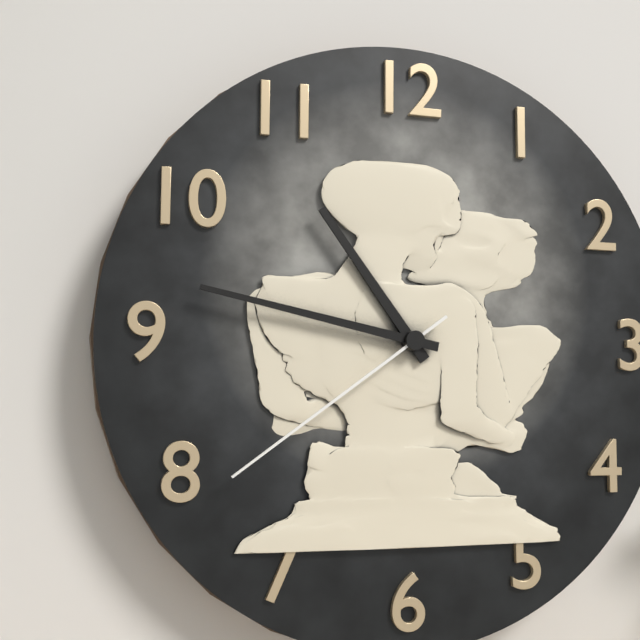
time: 10:47:39
